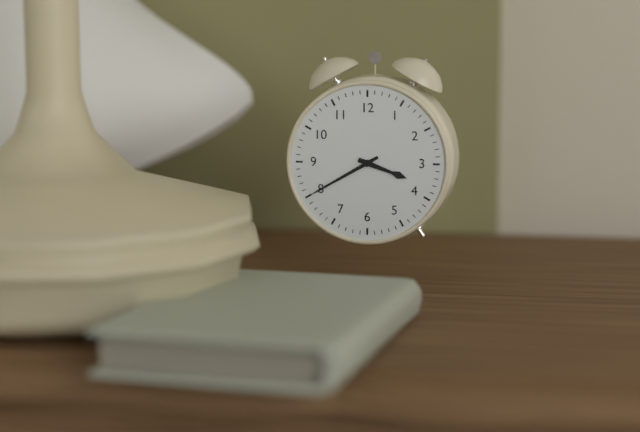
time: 3:40
